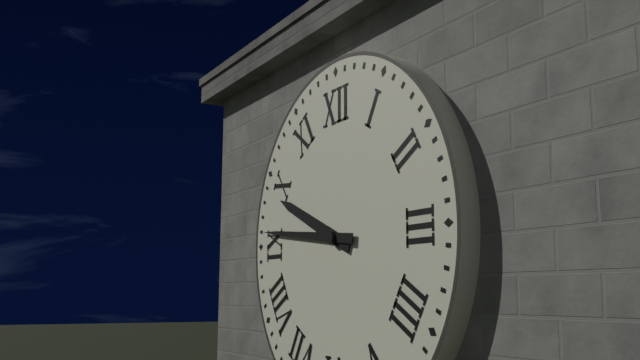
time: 9:46
